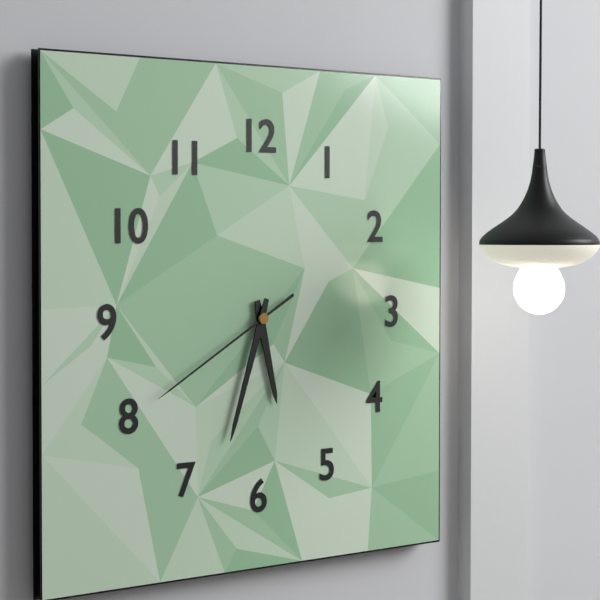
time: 5:33:40
